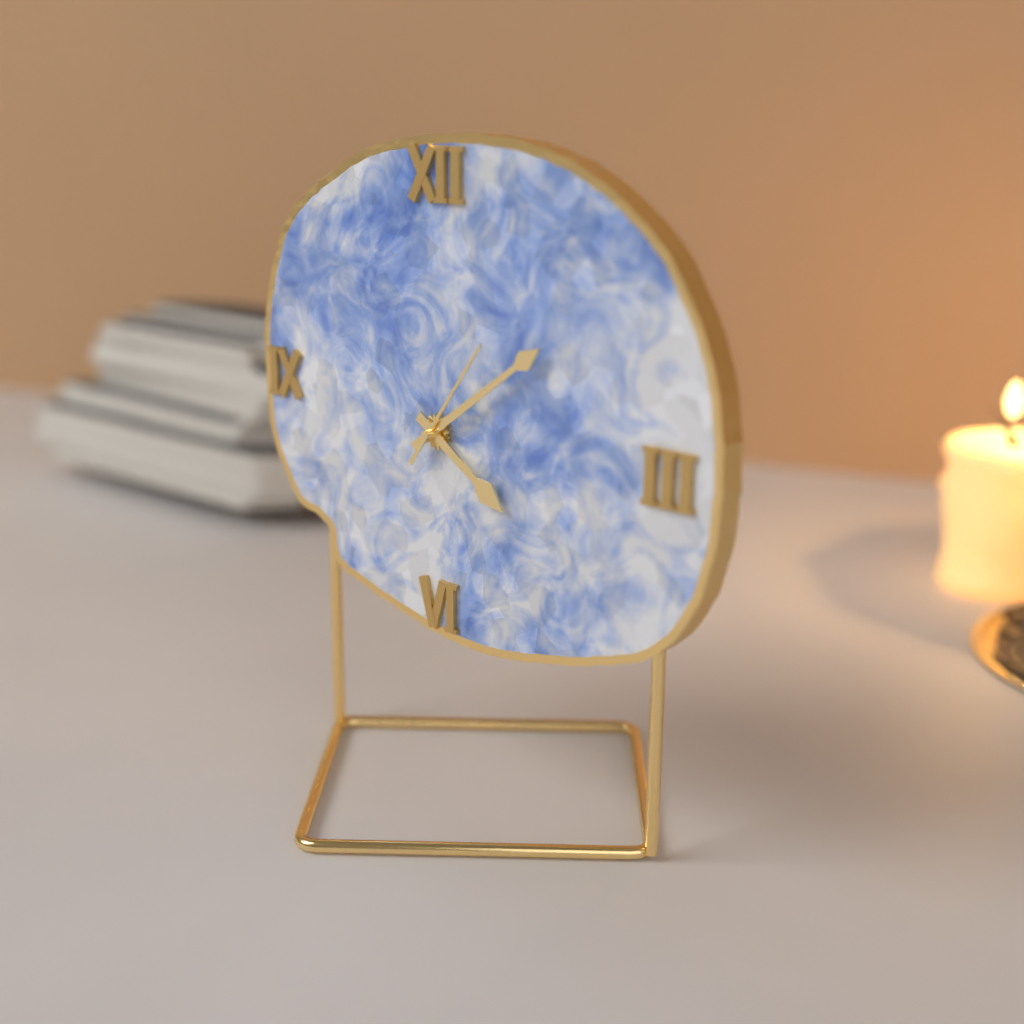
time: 4:09:06
